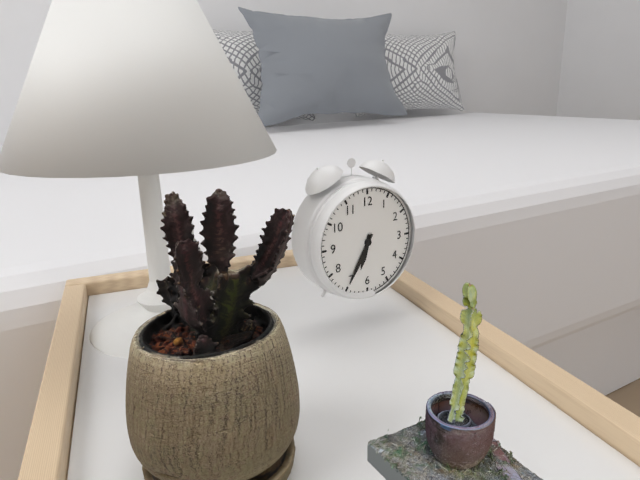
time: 6:35
